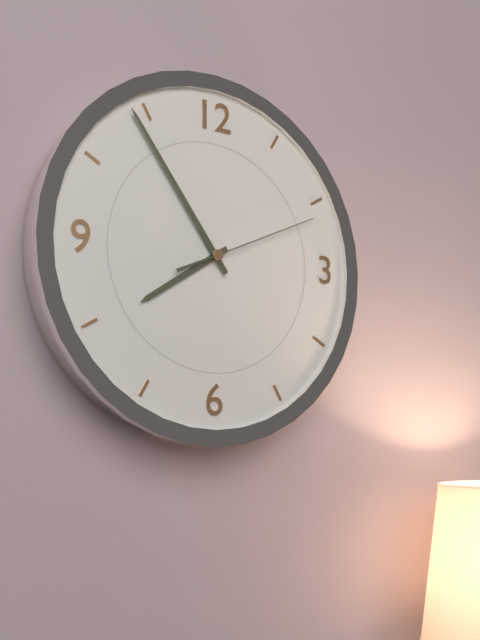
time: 7:54:11
